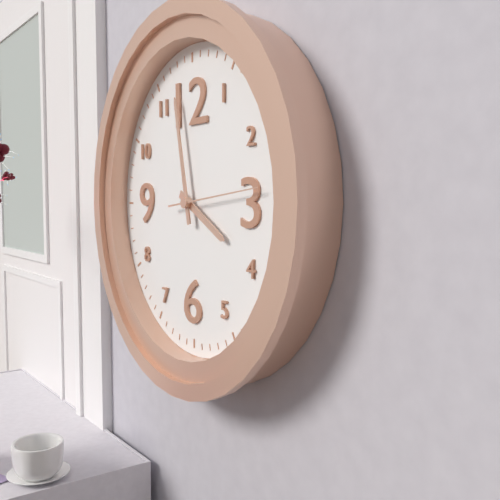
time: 3:58:14
